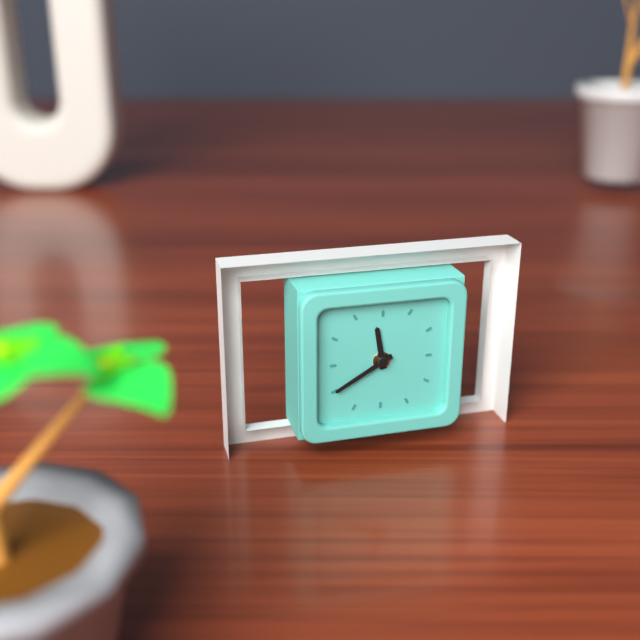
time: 11:40
